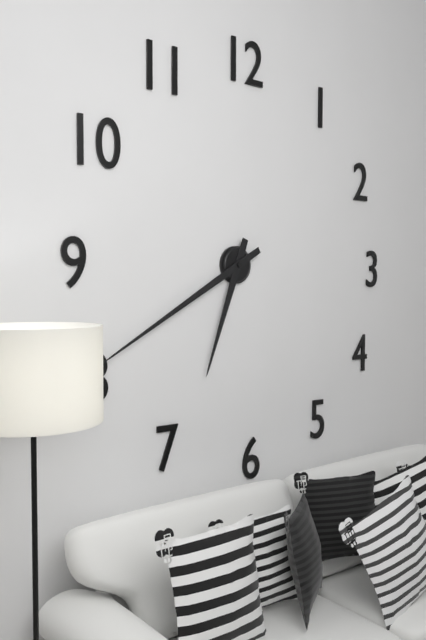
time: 6:40
